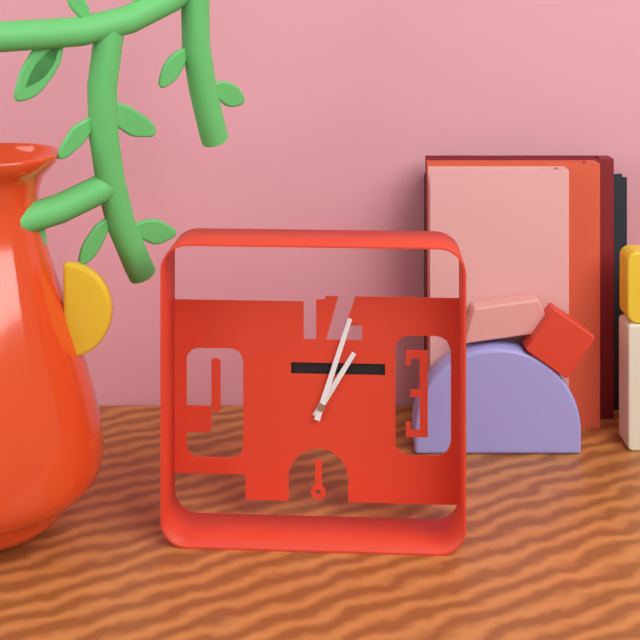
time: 1:03
